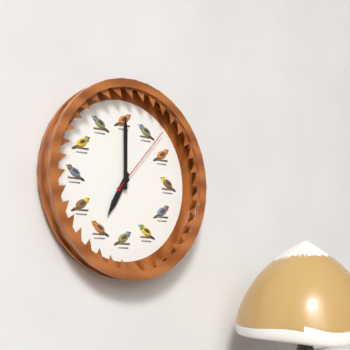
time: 7:00:07
